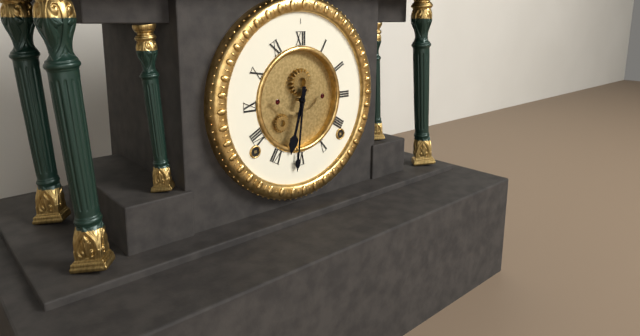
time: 6:31
